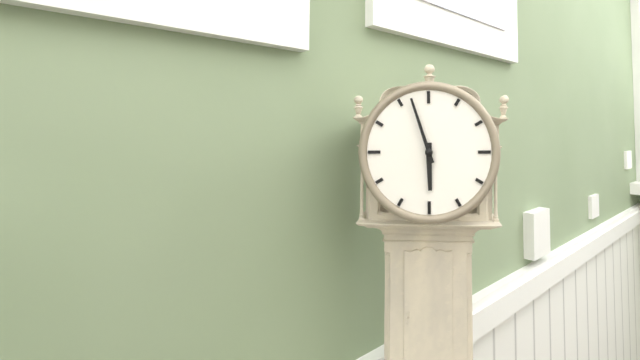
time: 5:57
